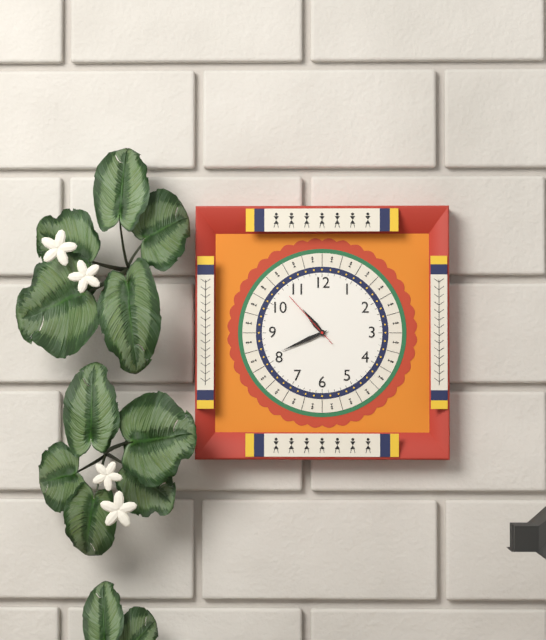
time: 10:41:53
